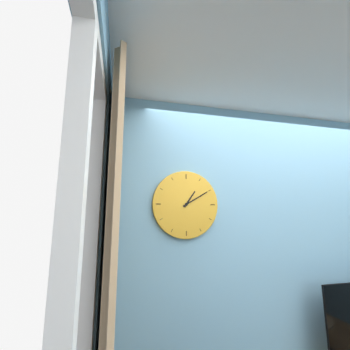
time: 1:10
